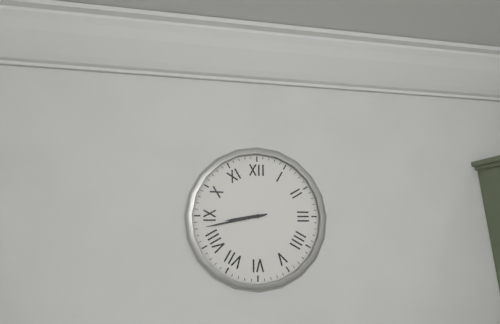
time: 8:43
